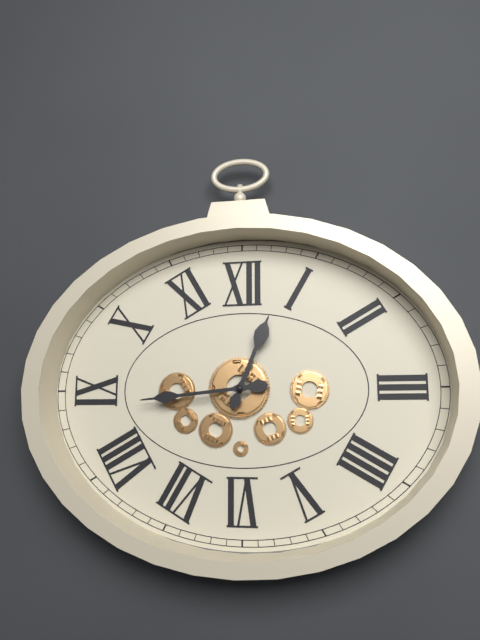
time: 12:44
